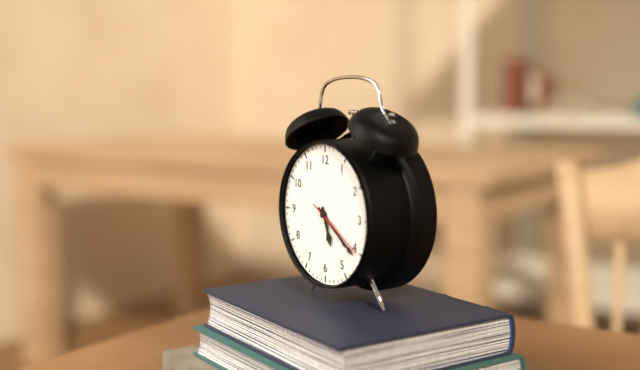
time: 5:21:20
